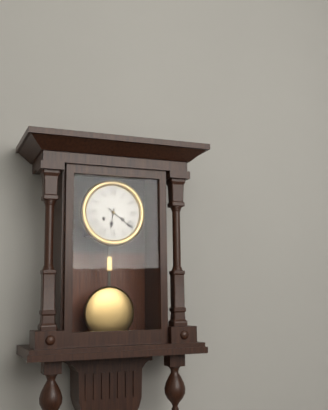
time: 6:21
